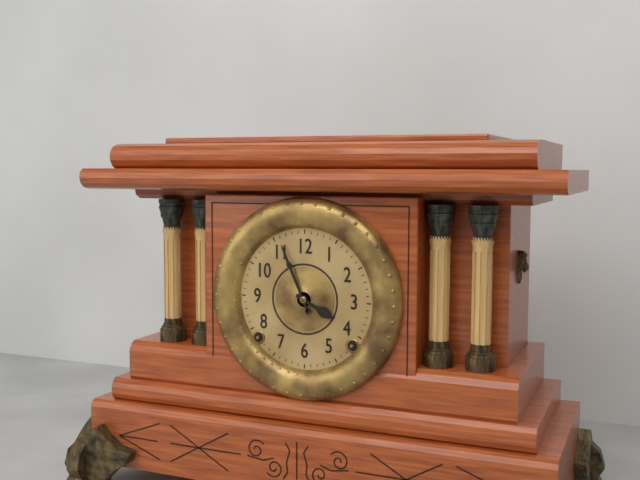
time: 3:56
